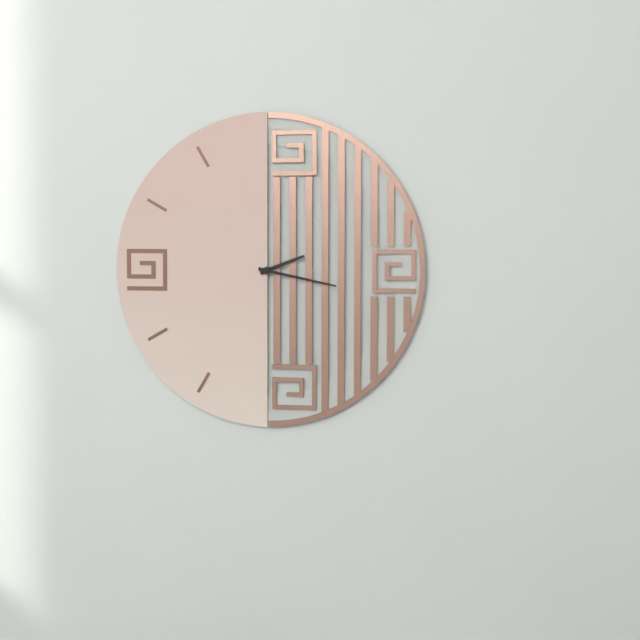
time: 2:17
